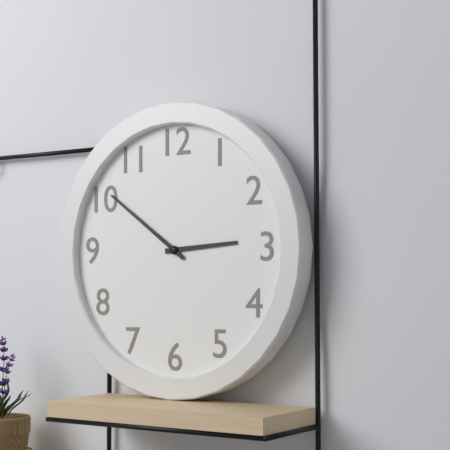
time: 2:51
